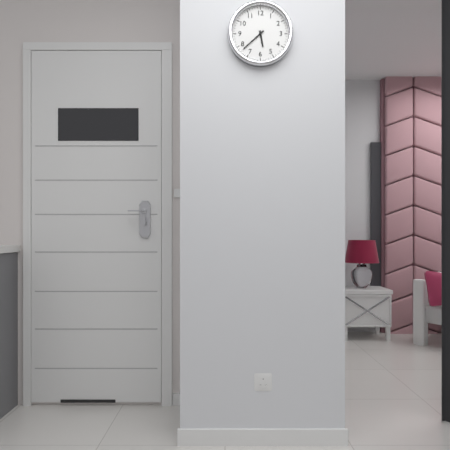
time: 5:38
